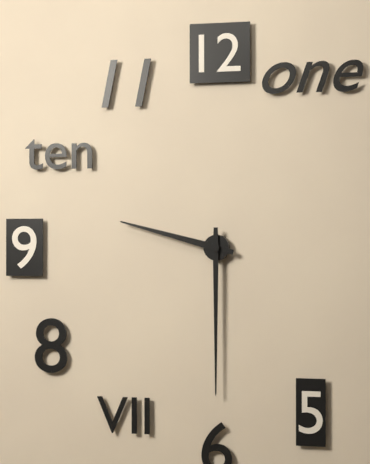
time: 9:30
